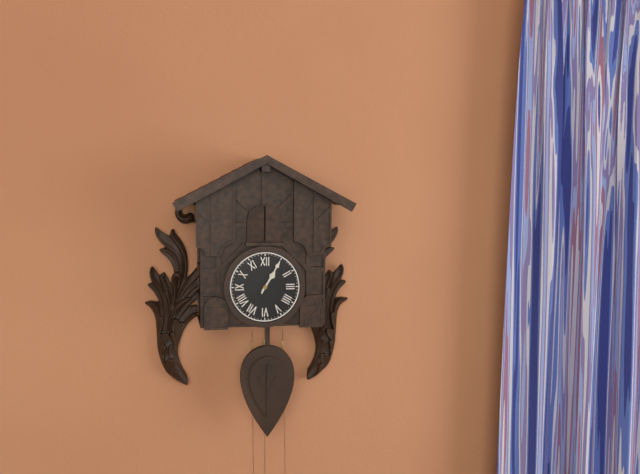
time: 1:05
